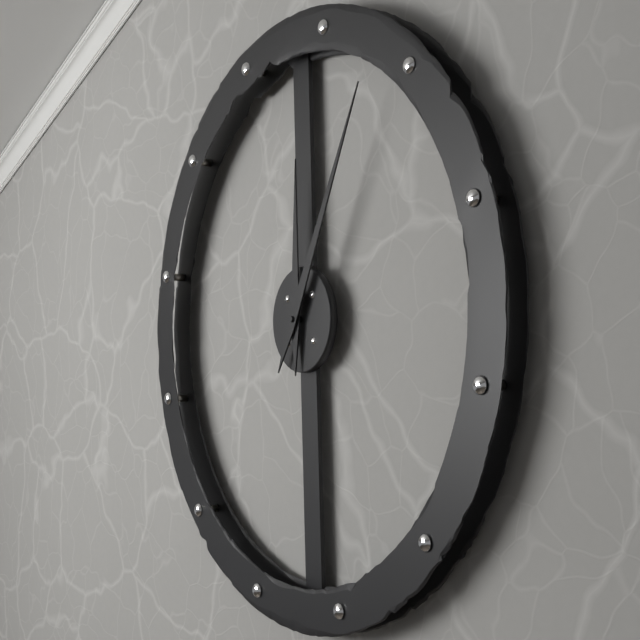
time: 12:05
